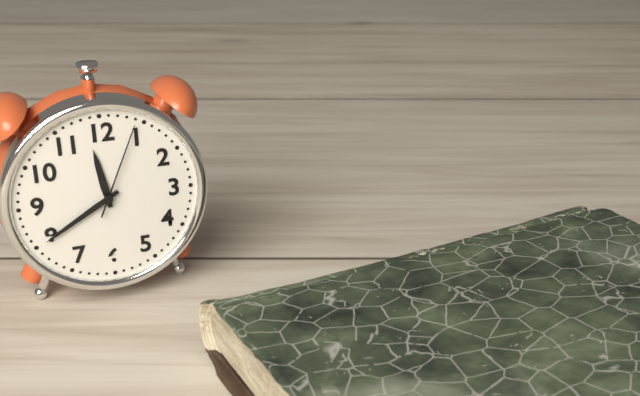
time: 11:40:04
